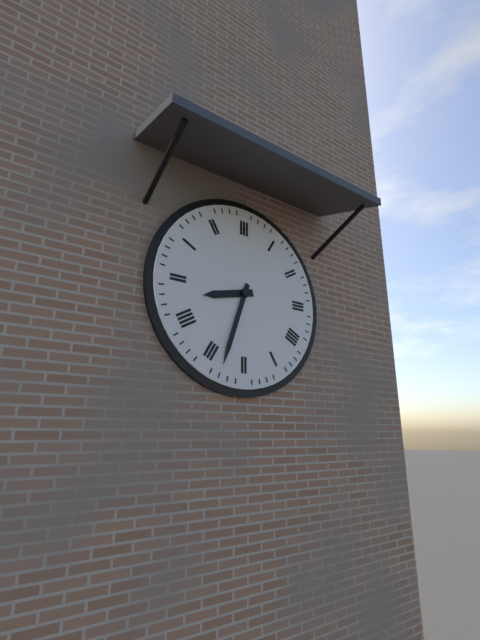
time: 8:33
